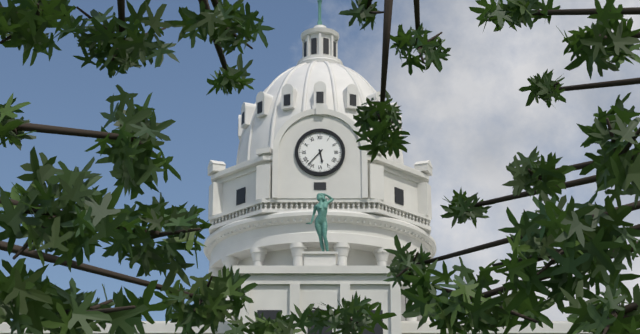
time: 5:37
